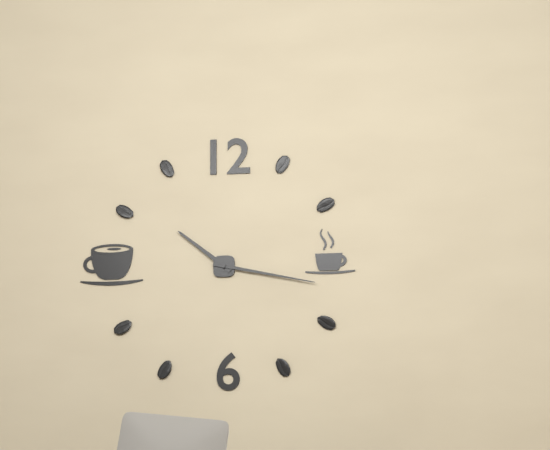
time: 10:17
